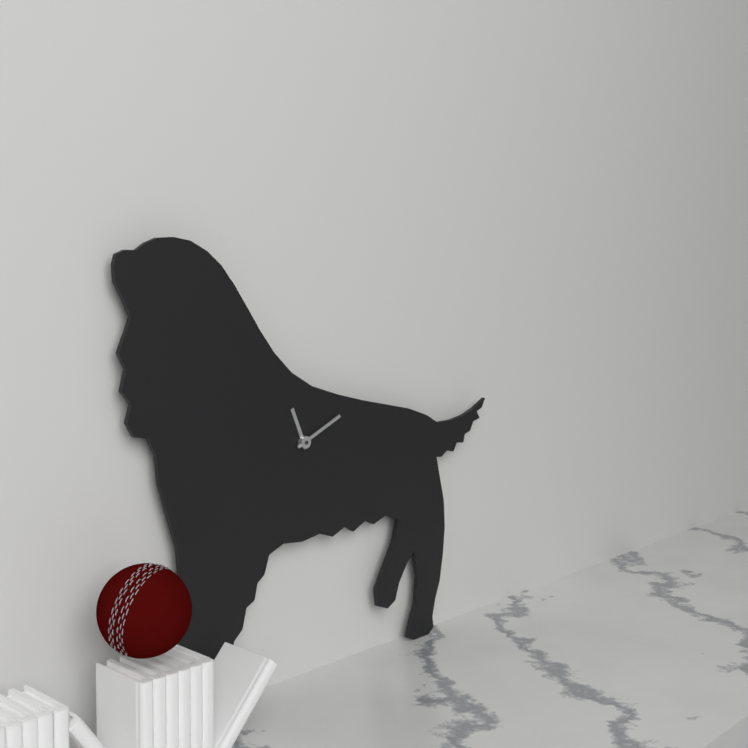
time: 11:11
